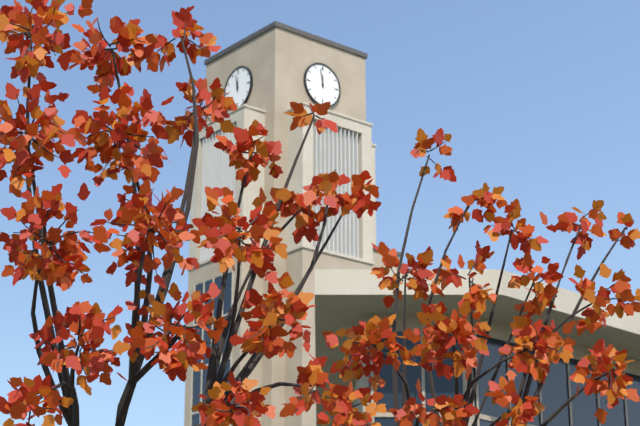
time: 11:58
